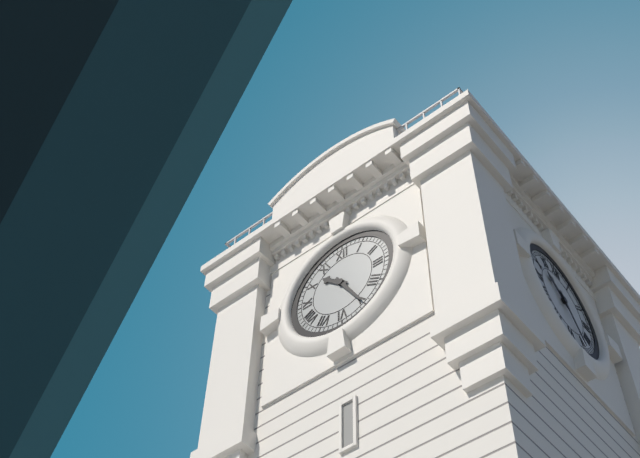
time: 10:25
